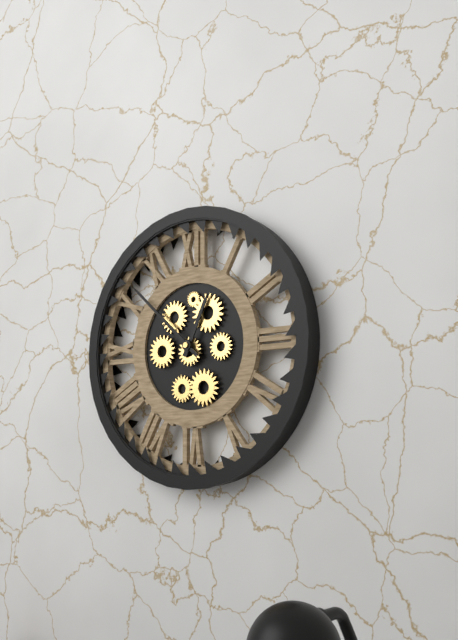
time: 12:52
